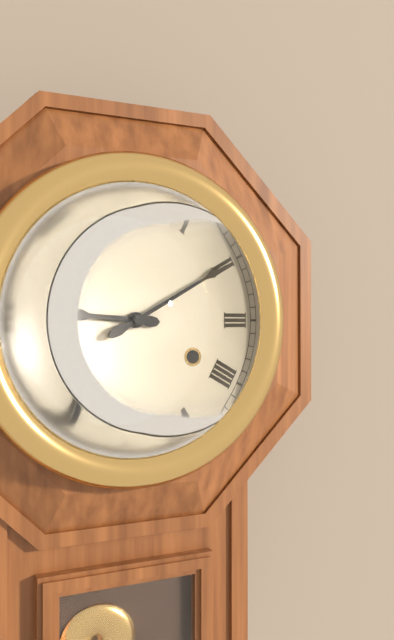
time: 9:10
